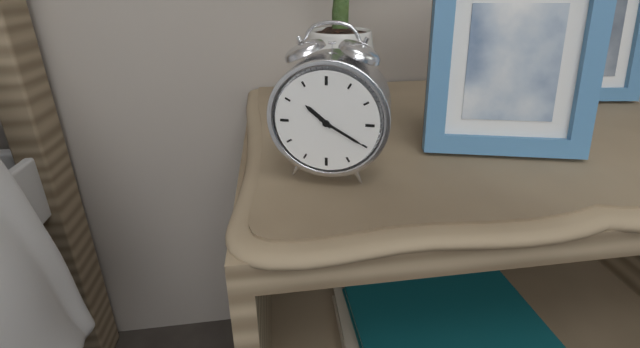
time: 10:20
